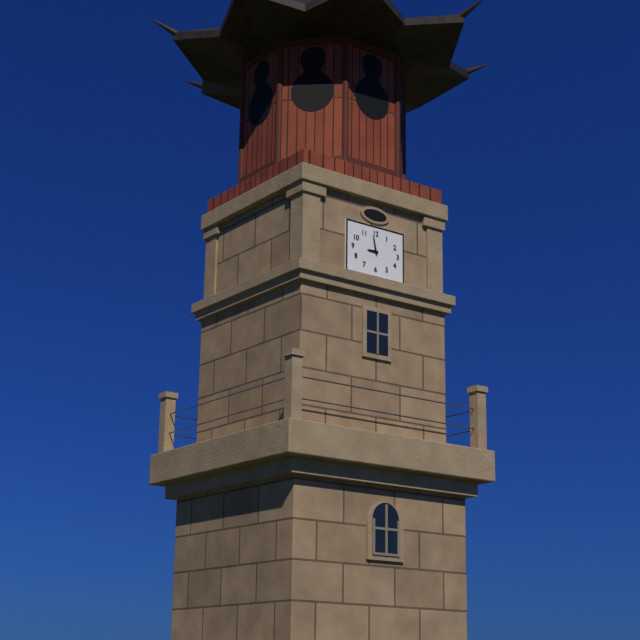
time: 8:58
